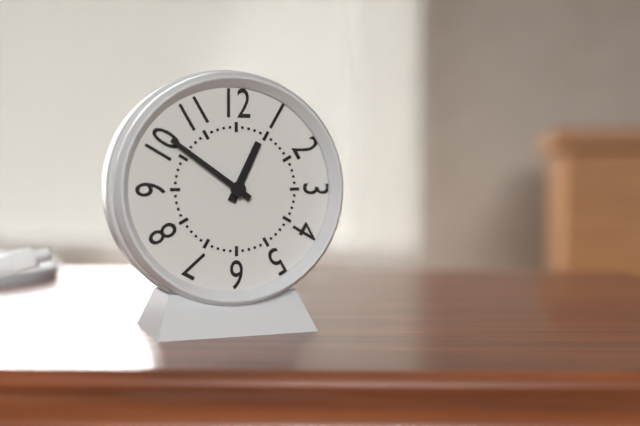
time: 12:51
